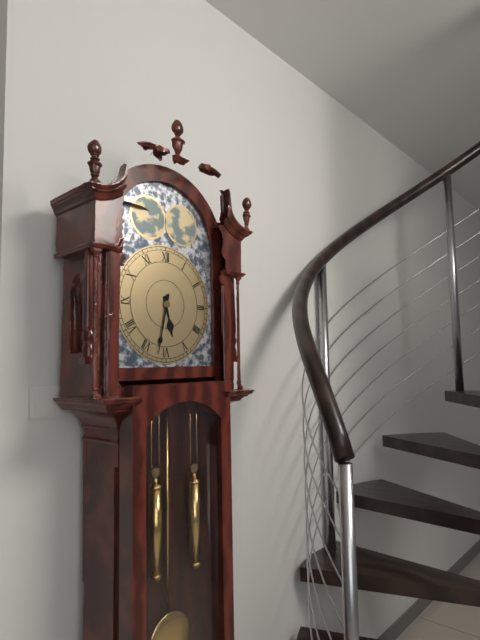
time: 5:32
